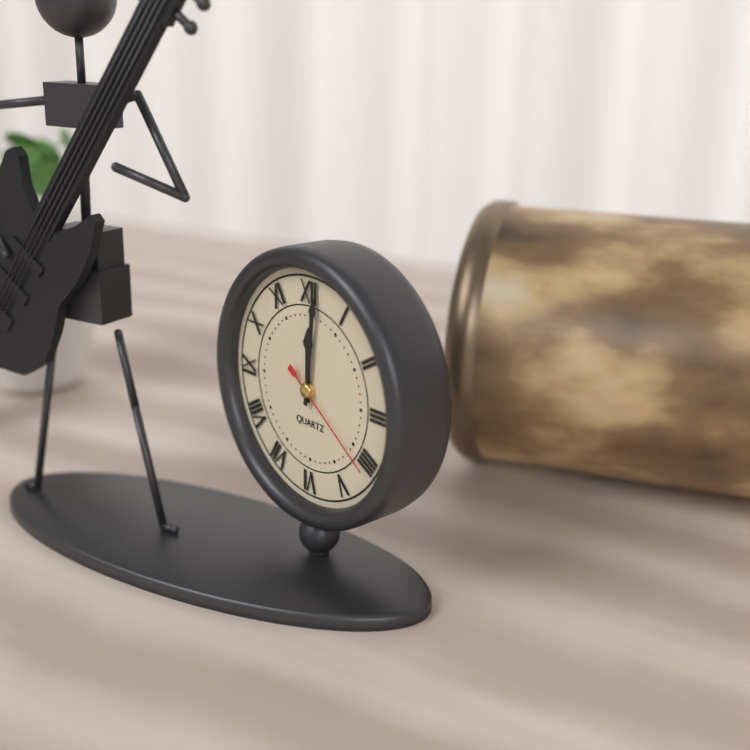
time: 12:01:21
